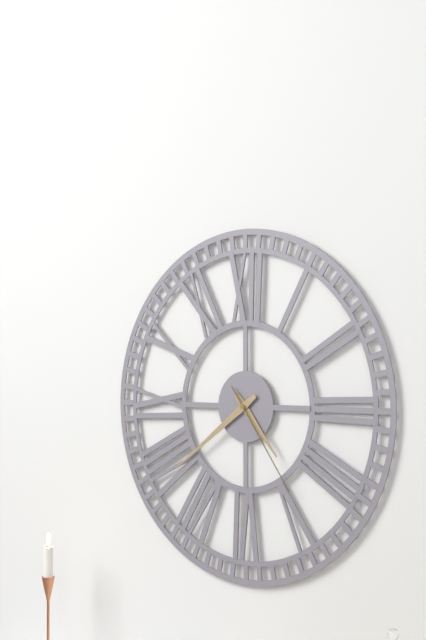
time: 4:39:24
